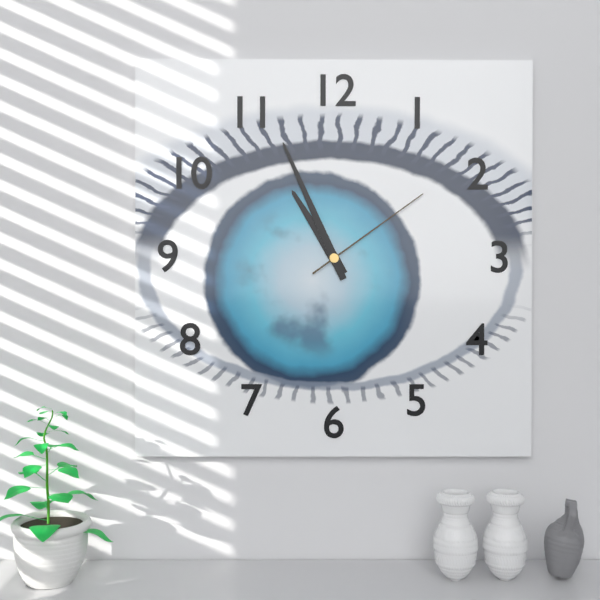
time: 10:56:09
